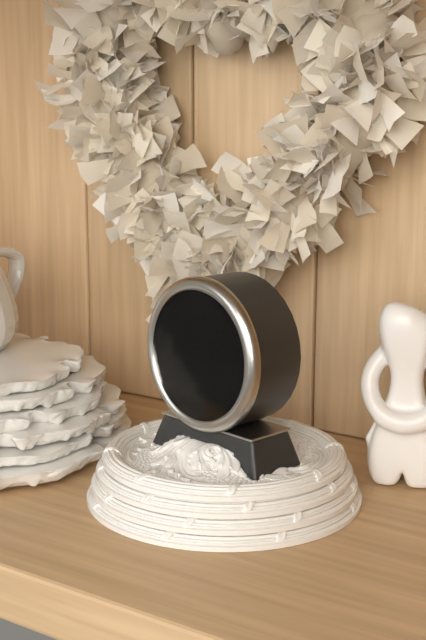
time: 5:33
